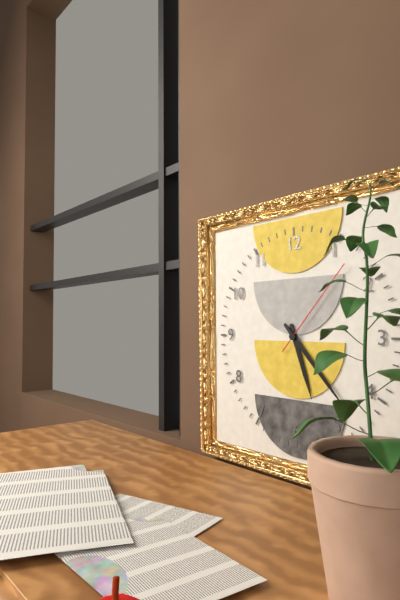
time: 5:23:07
